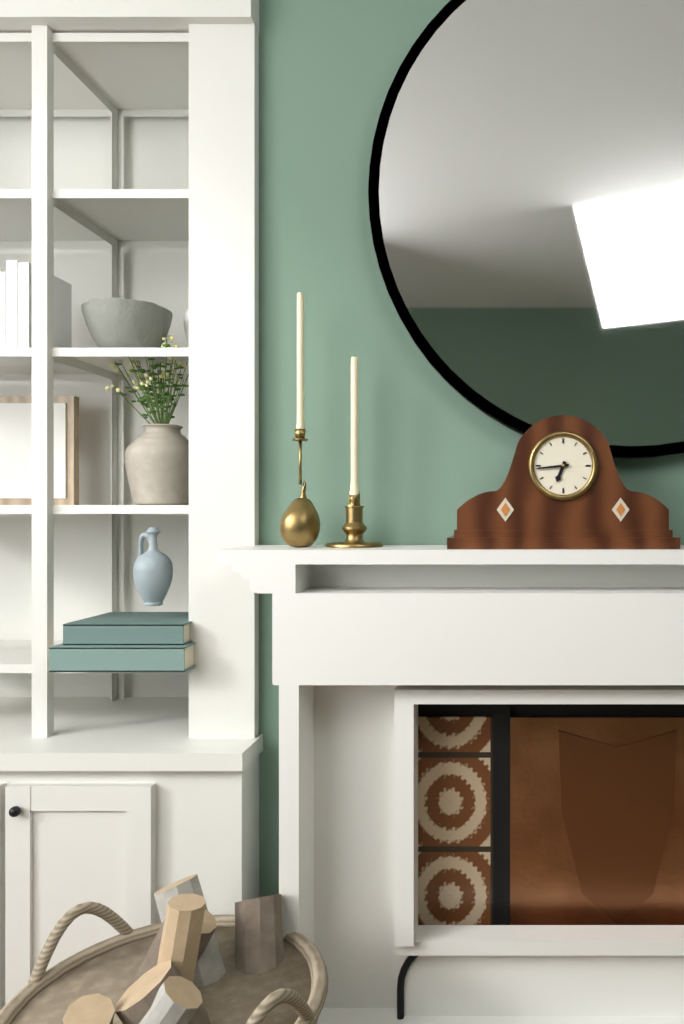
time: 6:44
